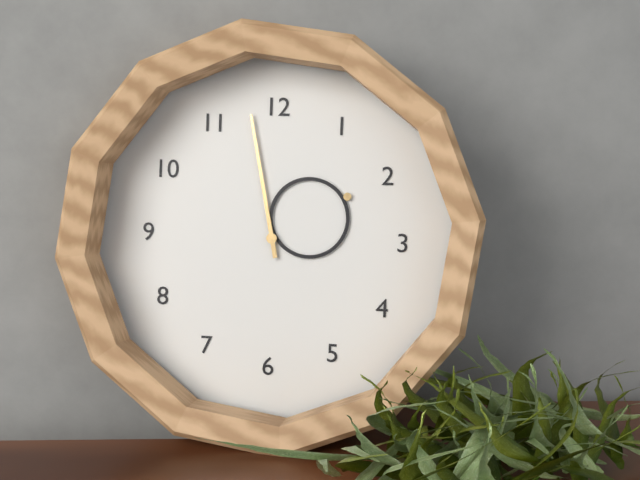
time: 1:58
